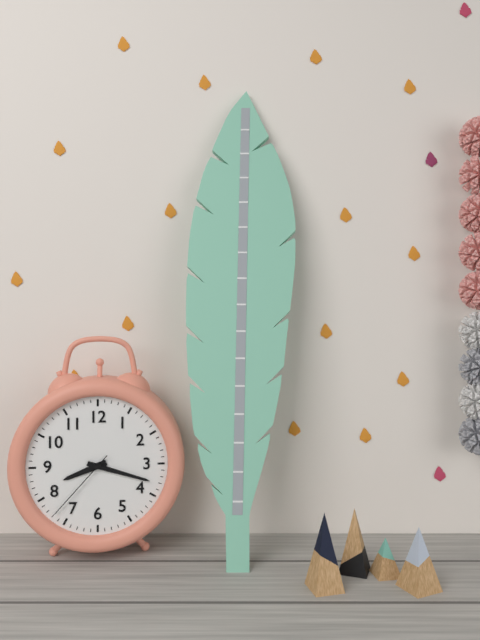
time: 8:18:37
